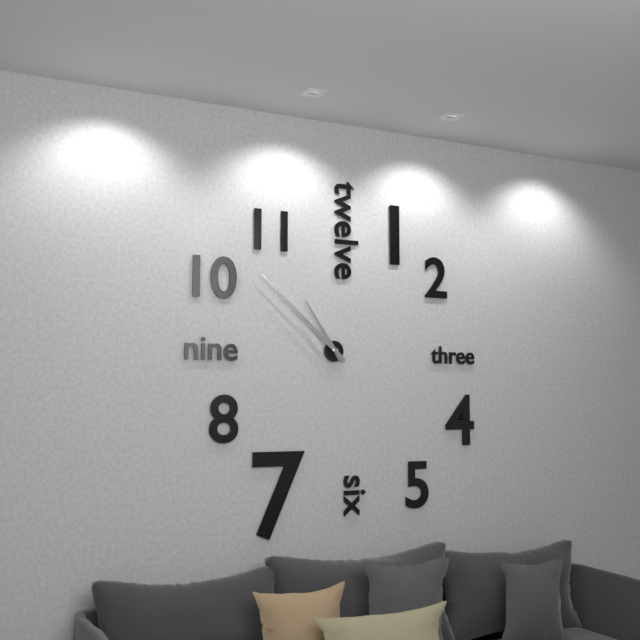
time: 10:52
